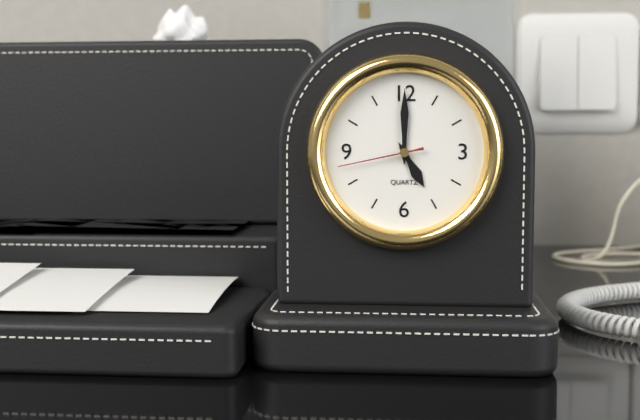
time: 5:00:43
